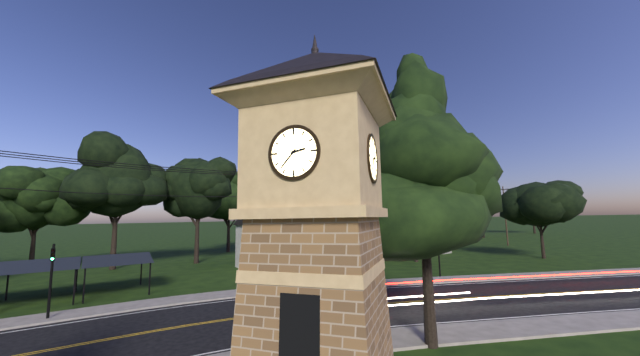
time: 2:37
